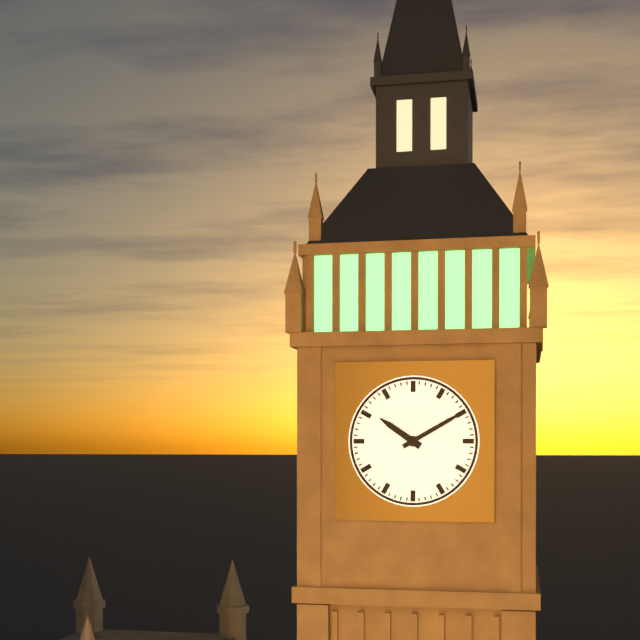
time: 10:10
